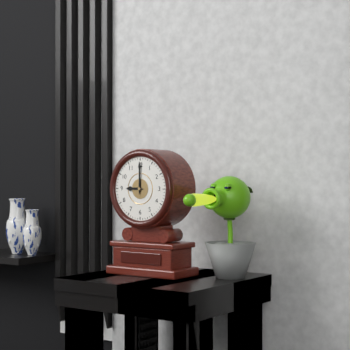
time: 9:00
